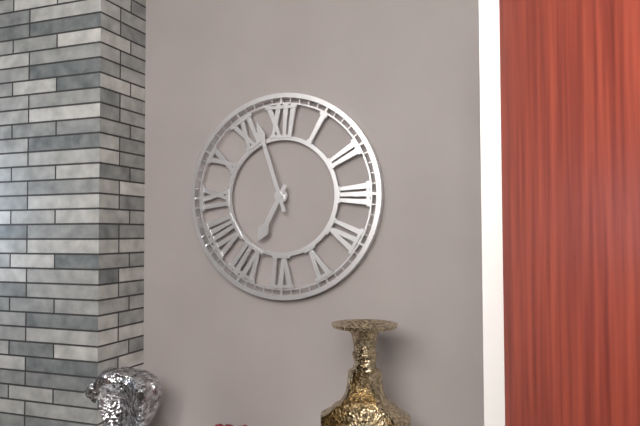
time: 6:57
